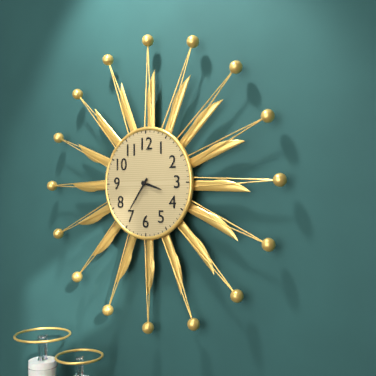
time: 3:36
